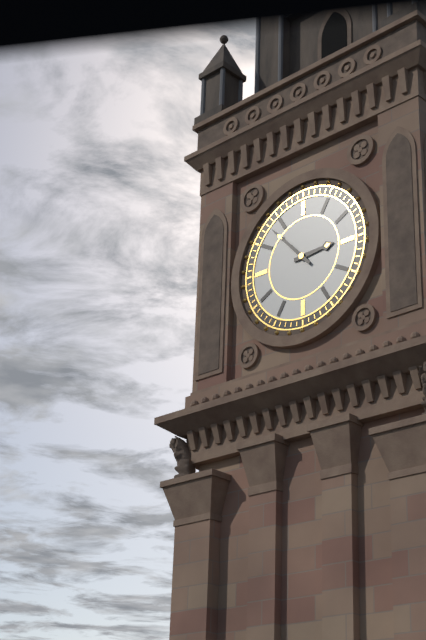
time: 2:53
